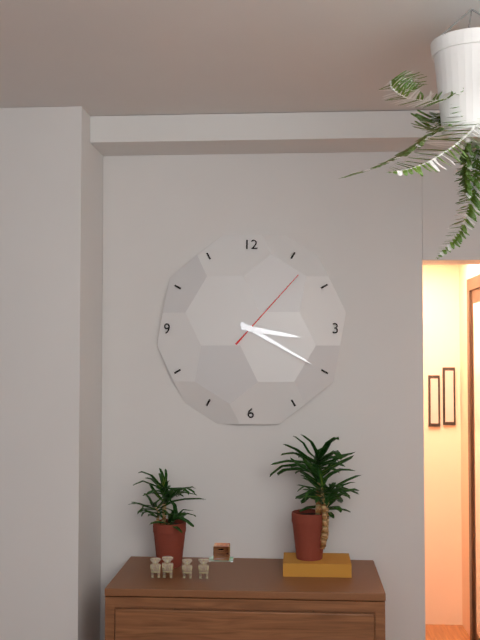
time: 3:20:07
